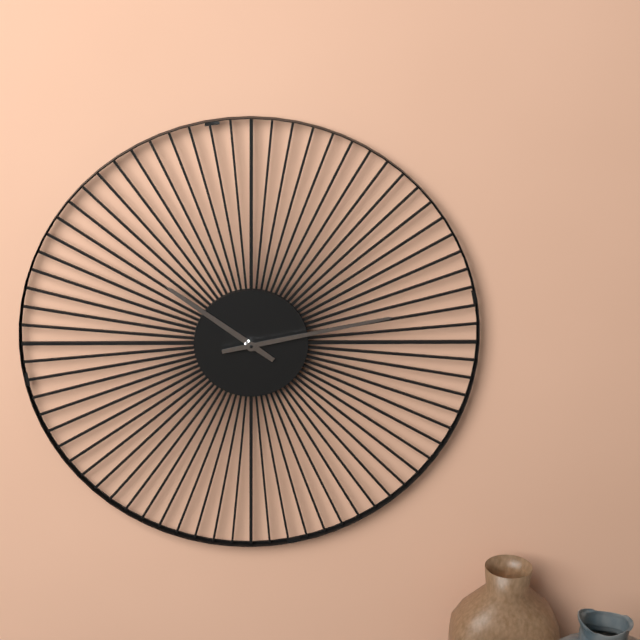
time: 10:13
